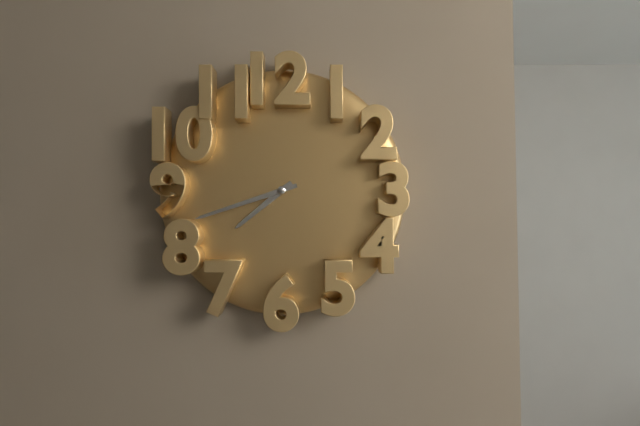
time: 7:42
